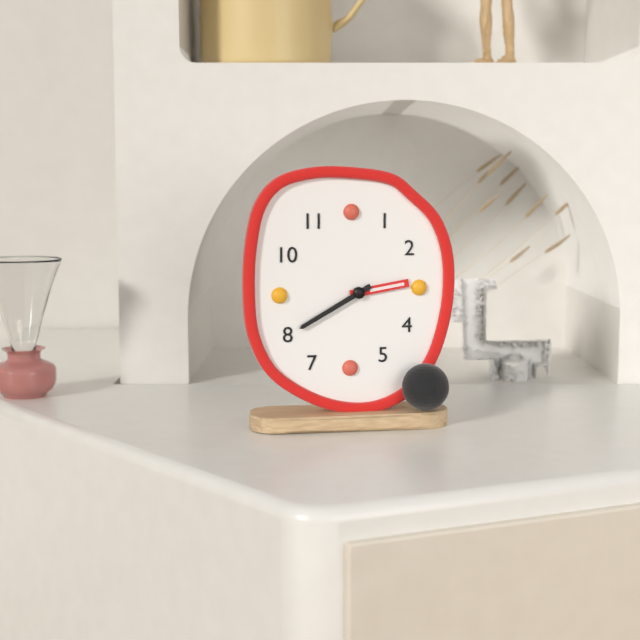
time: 2:40
